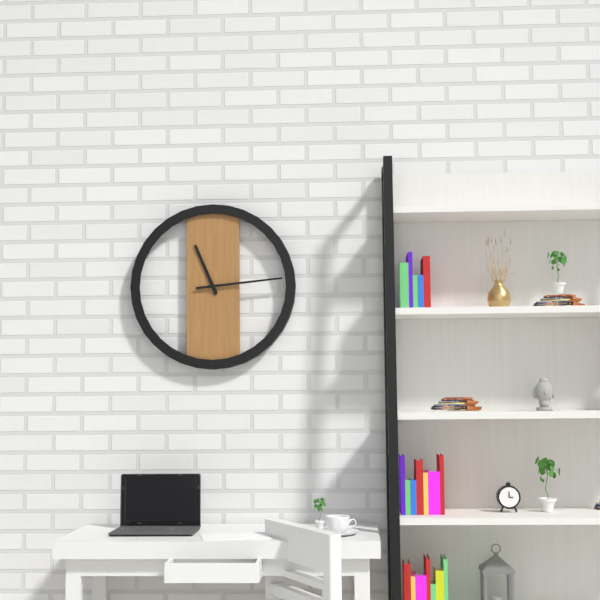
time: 11:14
